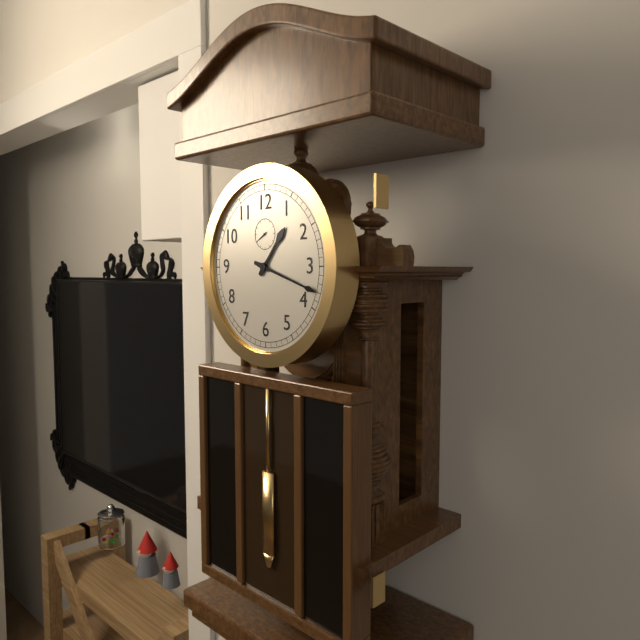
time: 1:18
